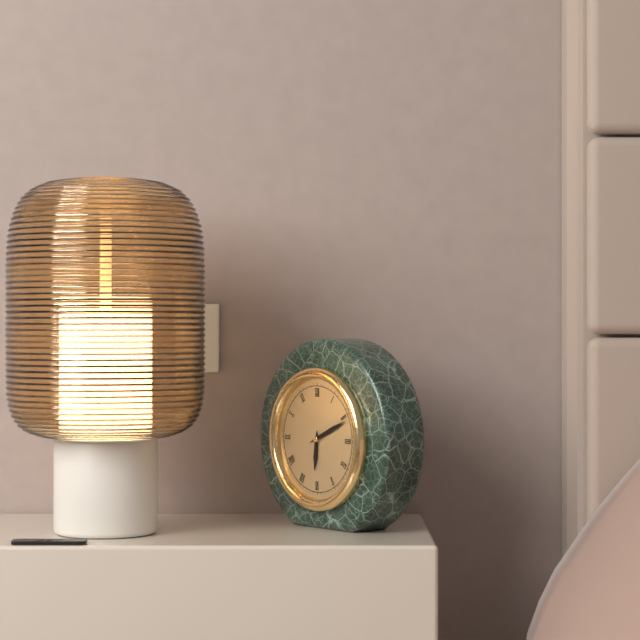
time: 6:11
